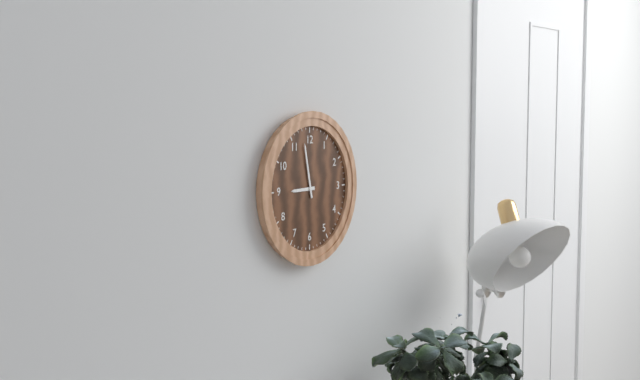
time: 8:58
